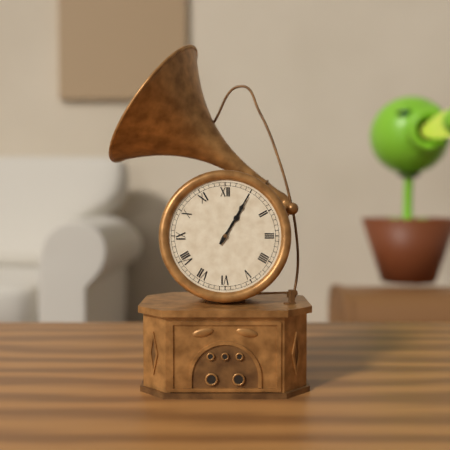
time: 1:05
